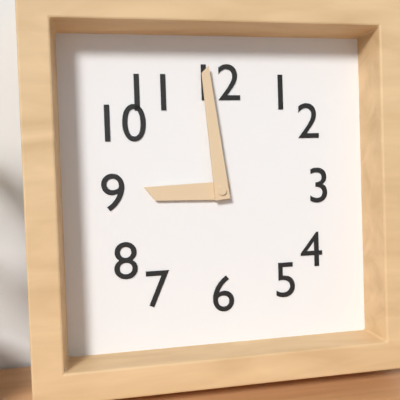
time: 8:59
